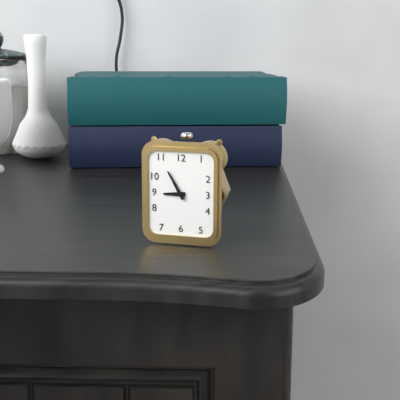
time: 8:55
